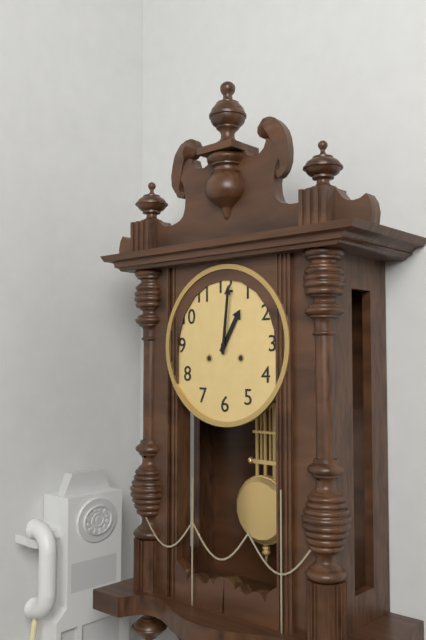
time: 1:01
